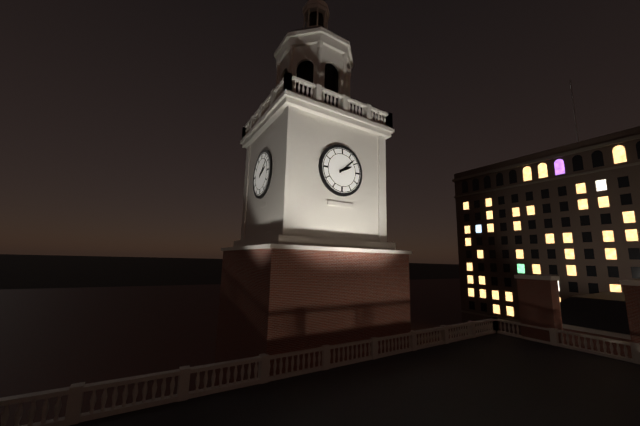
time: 2:08
